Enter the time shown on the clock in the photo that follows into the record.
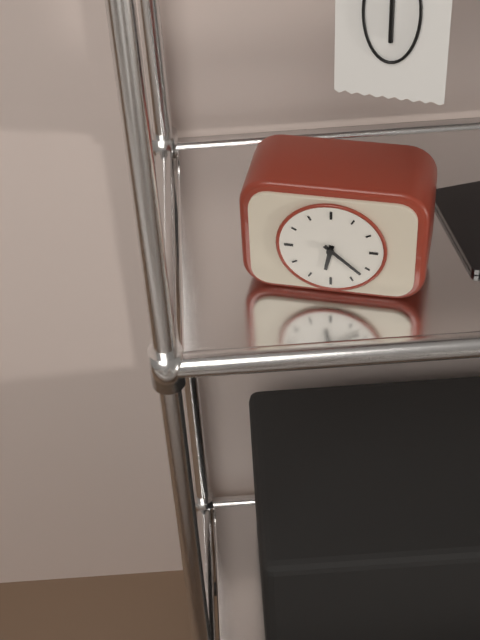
6:22
